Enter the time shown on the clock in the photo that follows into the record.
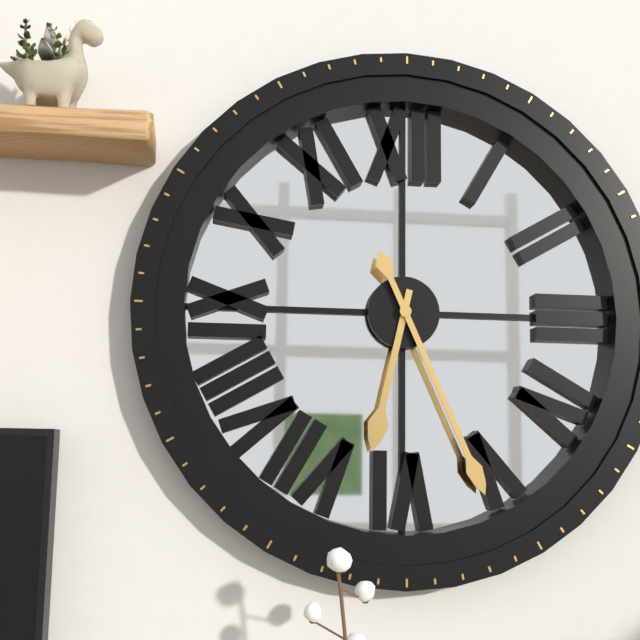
6:26
